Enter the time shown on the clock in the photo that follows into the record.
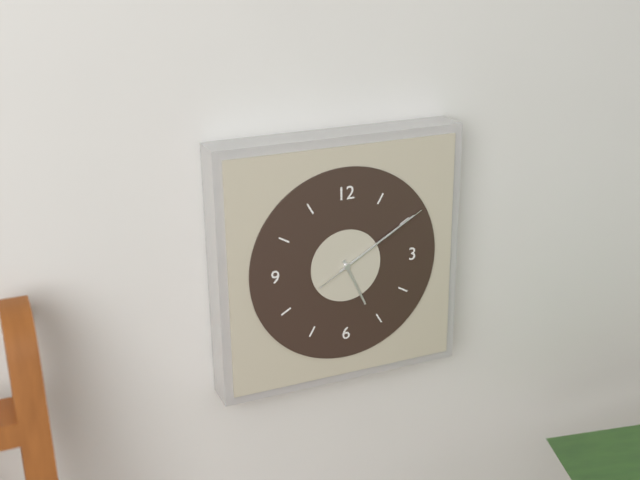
5:10:10
